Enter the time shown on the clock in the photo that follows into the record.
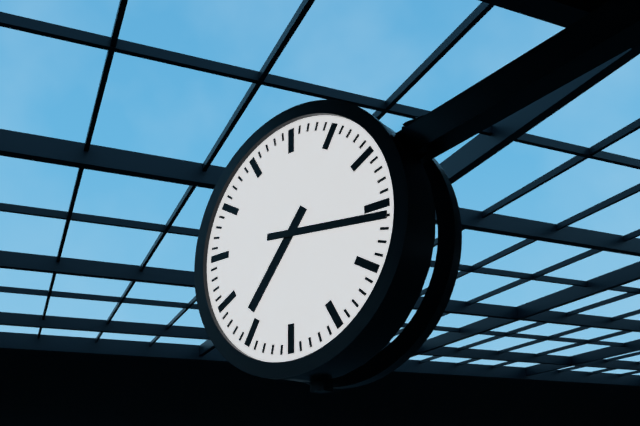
7:16
